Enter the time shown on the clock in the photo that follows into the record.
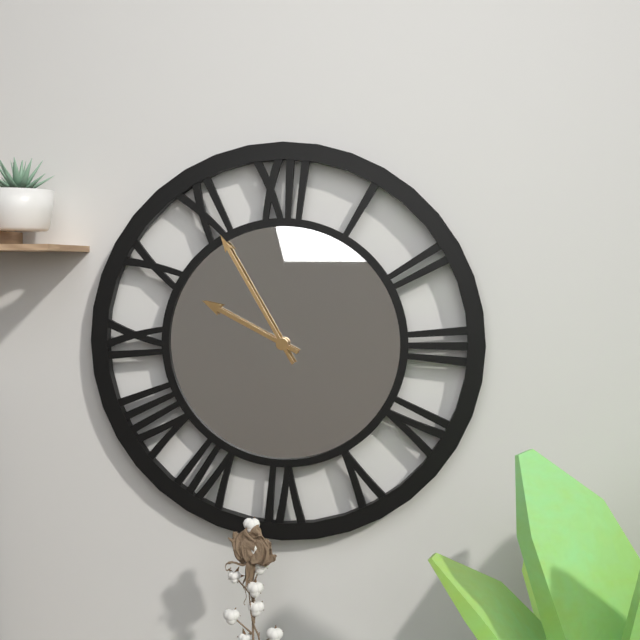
9:55
